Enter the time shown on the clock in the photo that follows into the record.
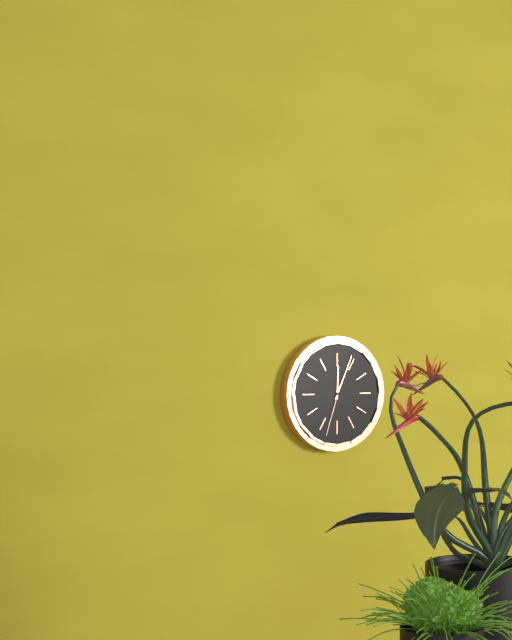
12:04:33
